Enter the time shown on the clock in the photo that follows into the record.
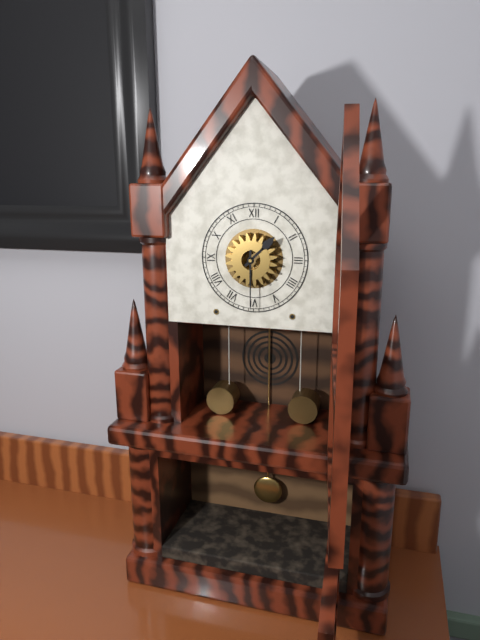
1:30
